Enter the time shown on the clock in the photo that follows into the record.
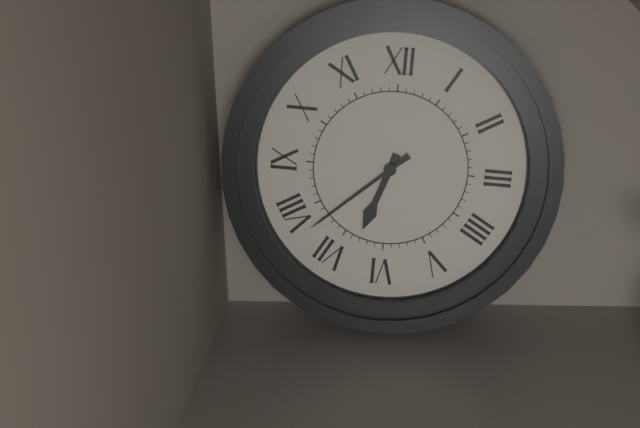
6:38
